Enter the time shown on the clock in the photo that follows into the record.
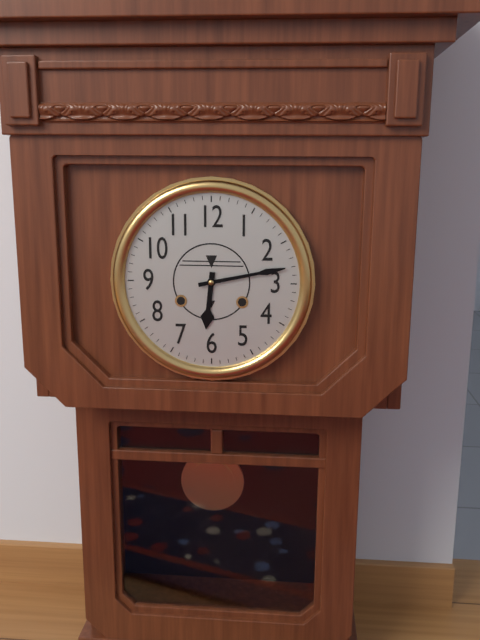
6:13
